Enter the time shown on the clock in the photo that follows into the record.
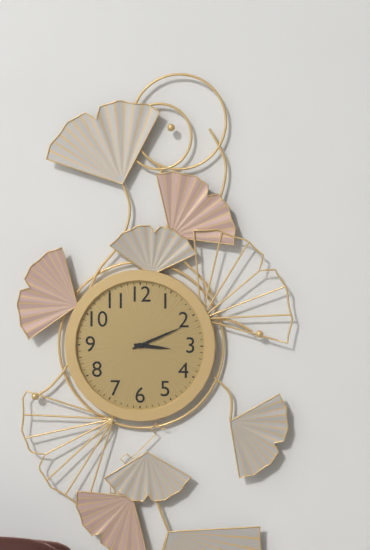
3:11
